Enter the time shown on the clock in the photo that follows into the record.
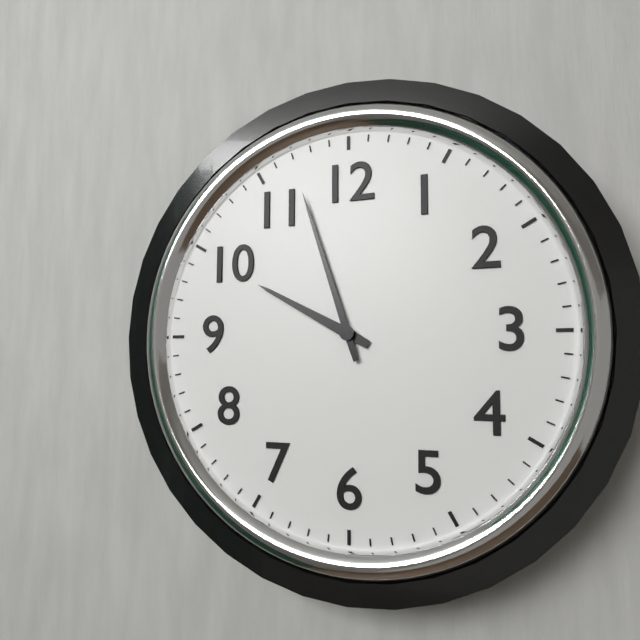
9:57
